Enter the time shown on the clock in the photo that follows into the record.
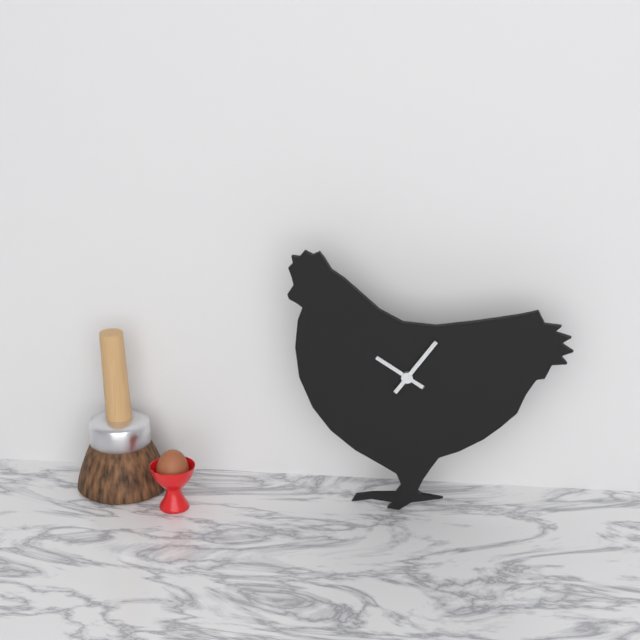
10:06
